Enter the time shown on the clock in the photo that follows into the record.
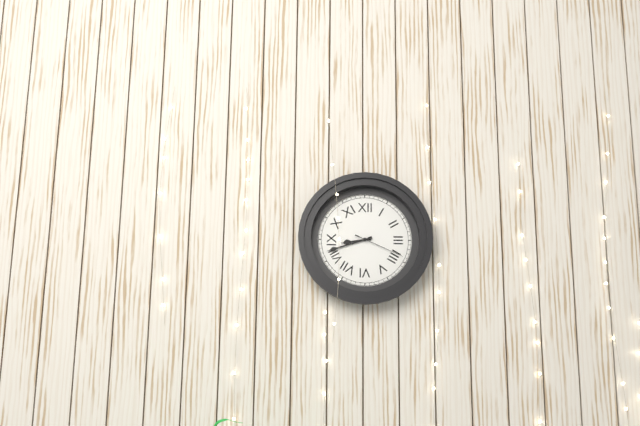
8:42:19
